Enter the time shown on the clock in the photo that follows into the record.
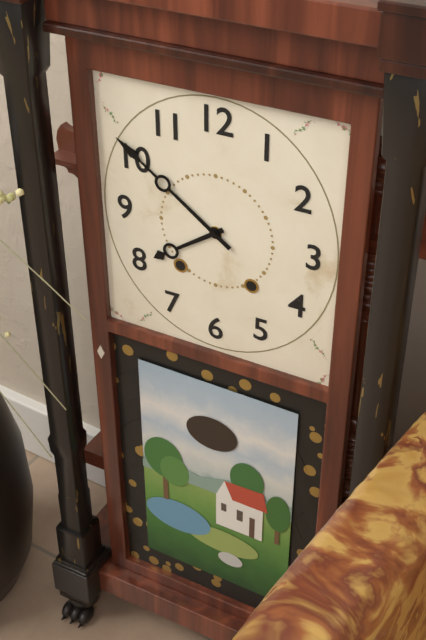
7:51
